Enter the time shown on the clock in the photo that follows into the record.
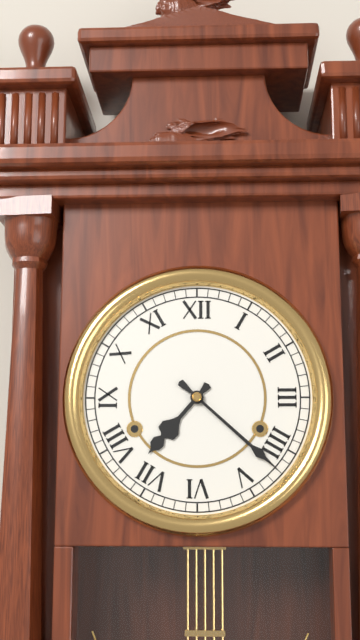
7:22
